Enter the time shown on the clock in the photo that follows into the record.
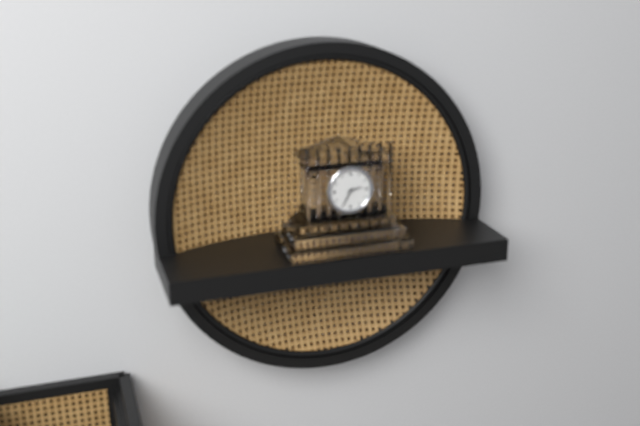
2:35
